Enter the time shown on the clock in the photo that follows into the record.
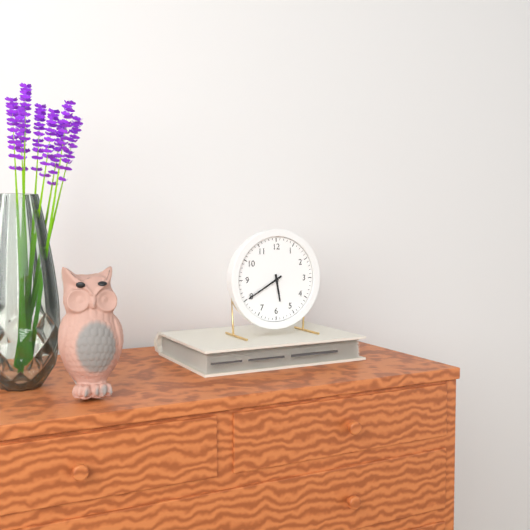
5:40
